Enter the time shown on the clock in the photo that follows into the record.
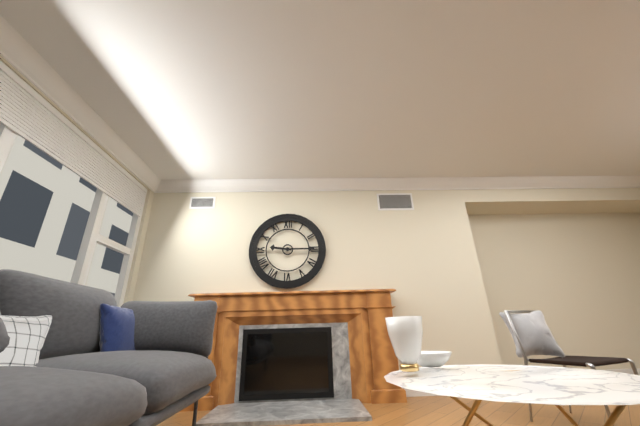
9:15
